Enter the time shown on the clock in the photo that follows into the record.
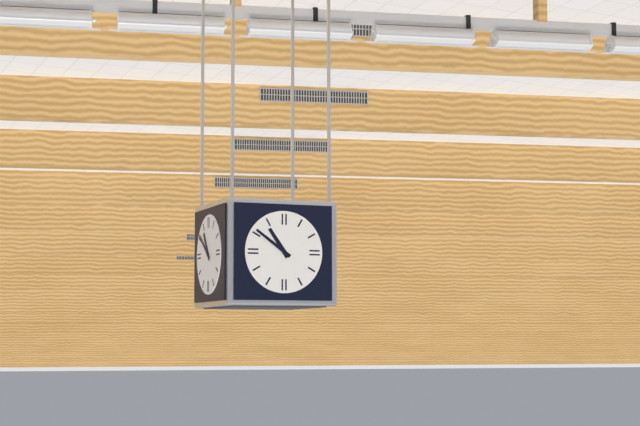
10:51
